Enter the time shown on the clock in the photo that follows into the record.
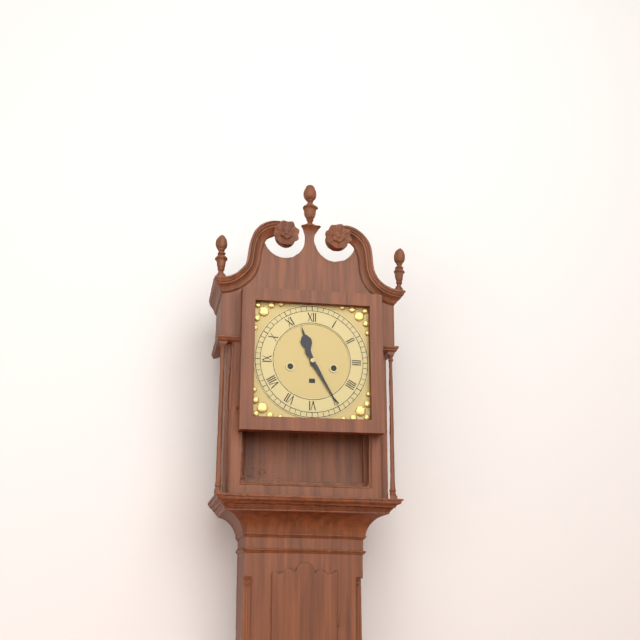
11:25
